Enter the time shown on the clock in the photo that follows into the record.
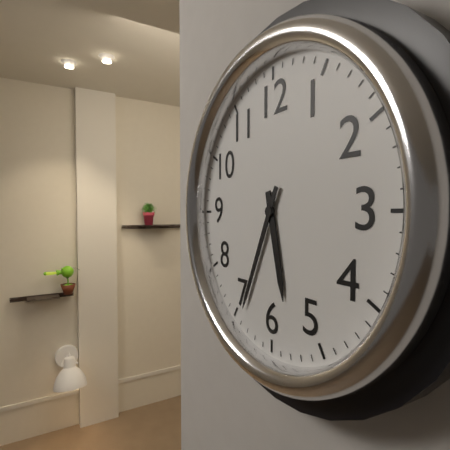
5:34
